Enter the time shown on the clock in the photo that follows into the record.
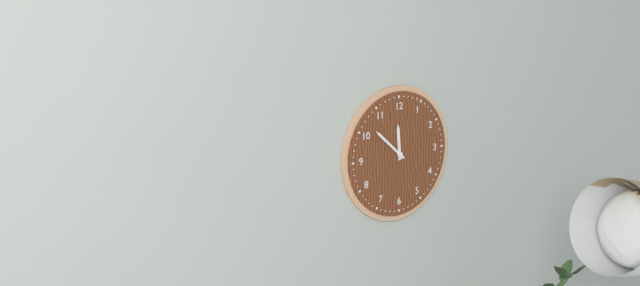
11:52
